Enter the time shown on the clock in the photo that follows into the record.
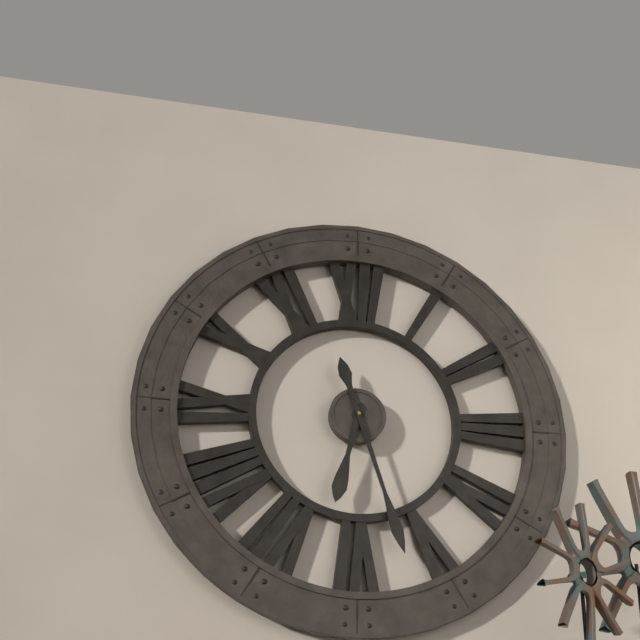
6:27
